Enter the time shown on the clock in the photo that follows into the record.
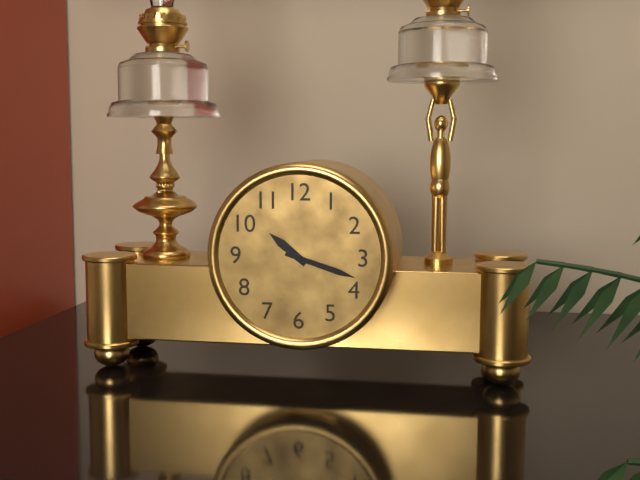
10:18
